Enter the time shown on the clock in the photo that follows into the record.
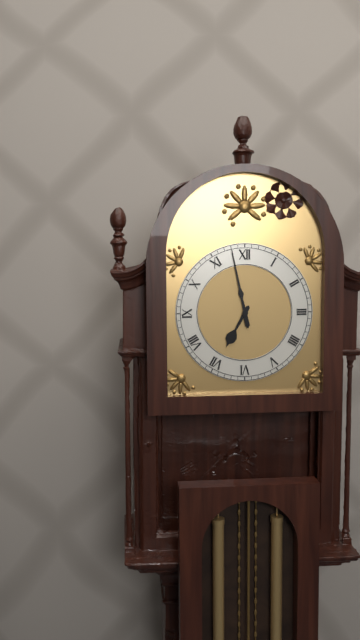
6:58
